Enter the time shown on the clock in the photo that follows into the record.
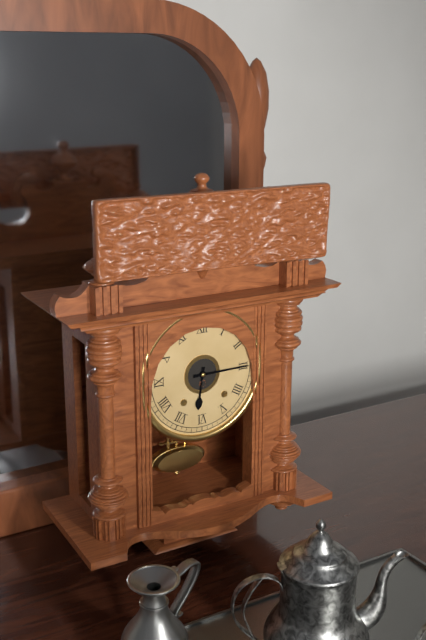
6:15
